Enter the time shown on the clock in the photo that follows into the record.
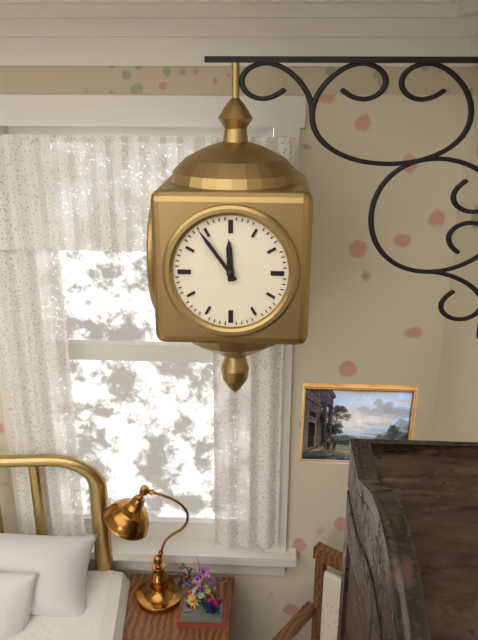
11:54
